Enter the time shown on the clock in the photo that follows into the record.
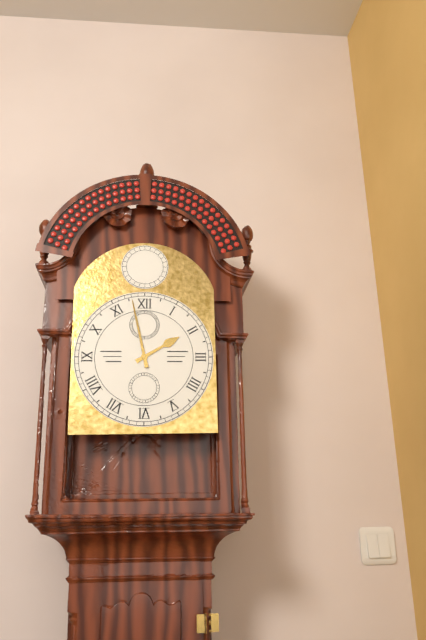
1:58
